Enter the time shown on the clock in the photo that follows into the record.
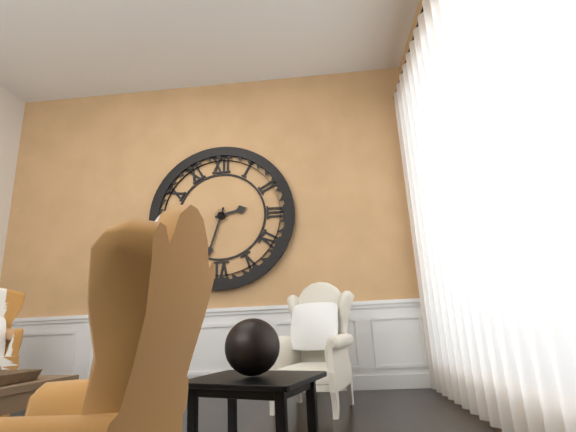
2:33
